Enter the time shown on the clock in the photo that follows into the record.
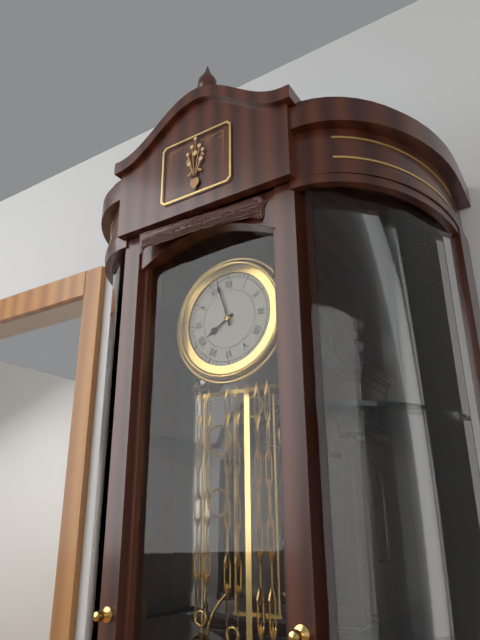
7:57
